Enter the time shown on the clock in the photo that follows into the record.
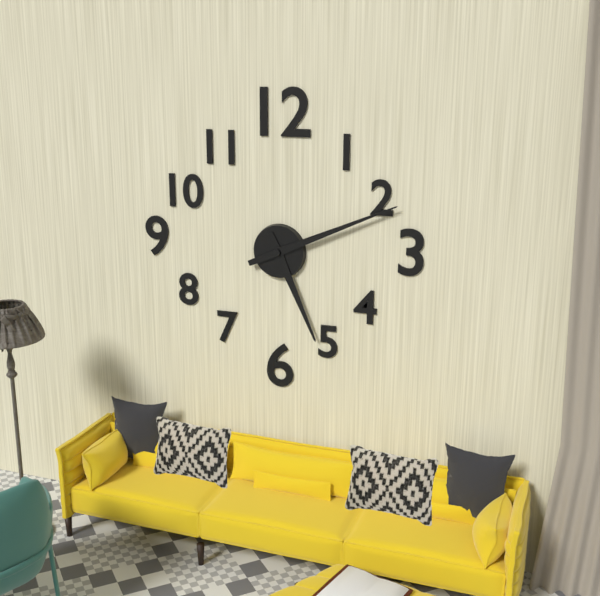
5:11
